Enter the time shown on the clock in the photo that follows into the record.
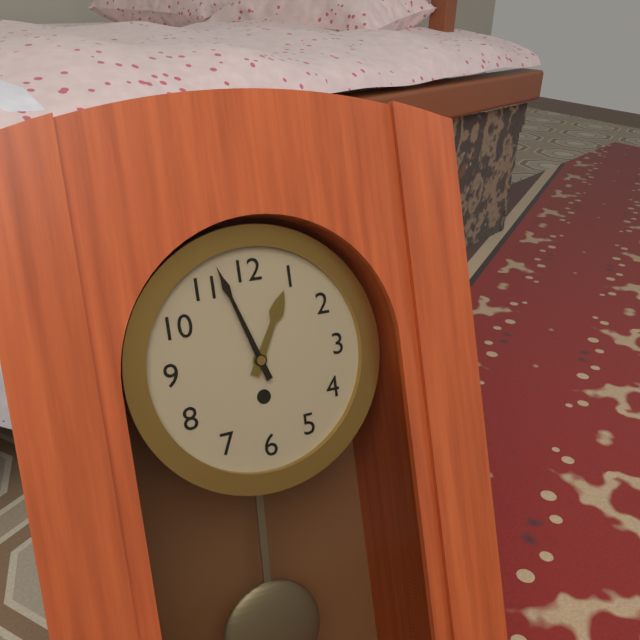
12:57
